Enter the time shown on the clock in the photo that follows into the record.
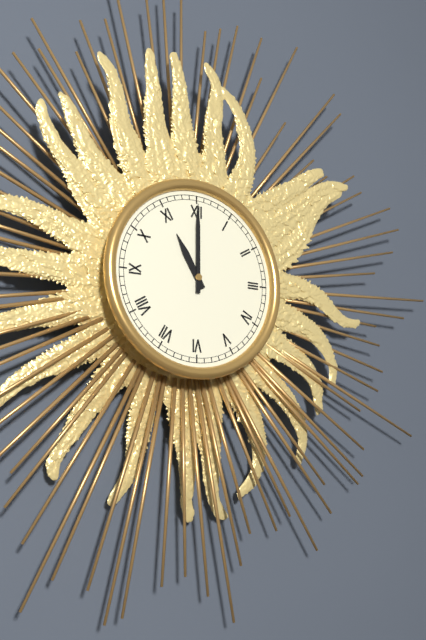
11:00
